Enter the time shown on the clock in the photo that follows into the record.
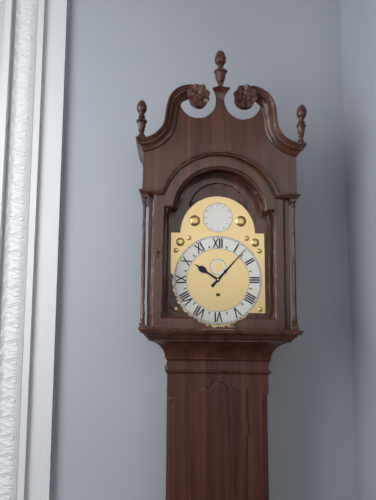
10:07
